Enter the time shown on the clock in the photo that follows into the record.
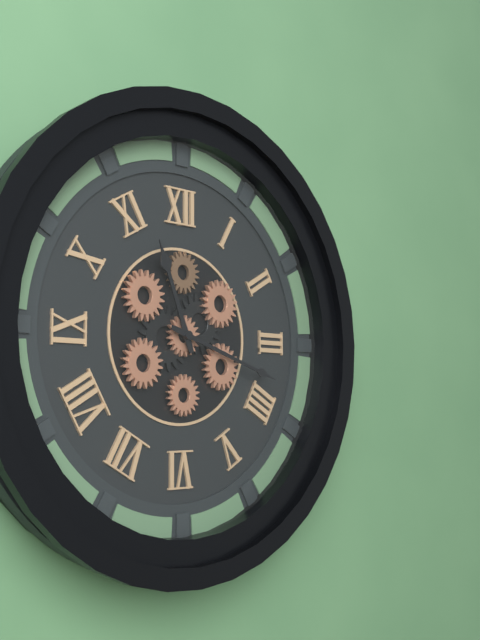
11:18
